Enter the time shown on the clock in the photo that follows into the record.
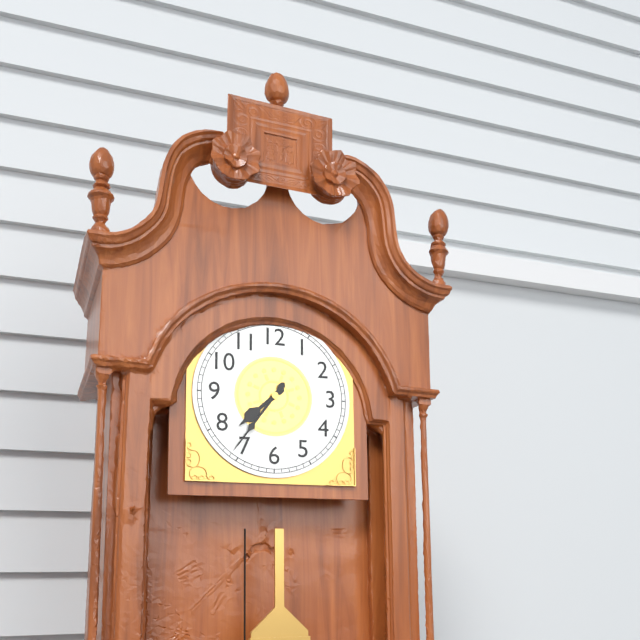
7:36
